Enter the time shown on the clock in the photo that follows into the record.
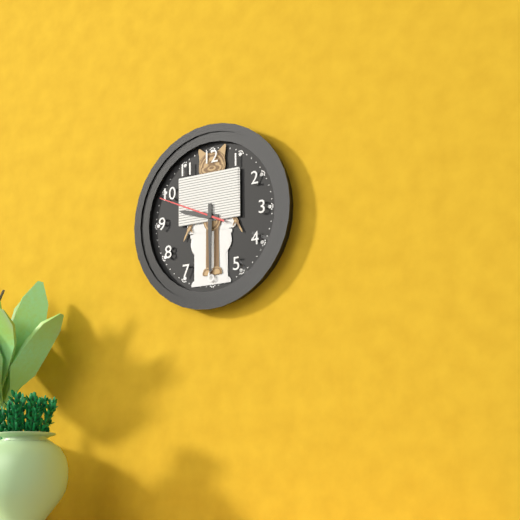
9:30:49
